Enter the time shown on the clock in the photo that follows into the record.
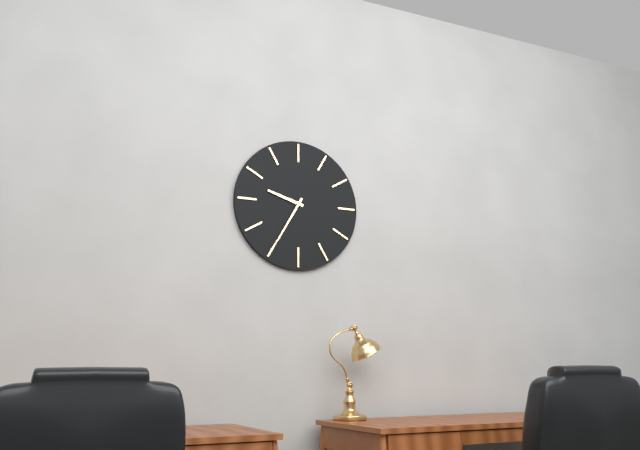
9:35
